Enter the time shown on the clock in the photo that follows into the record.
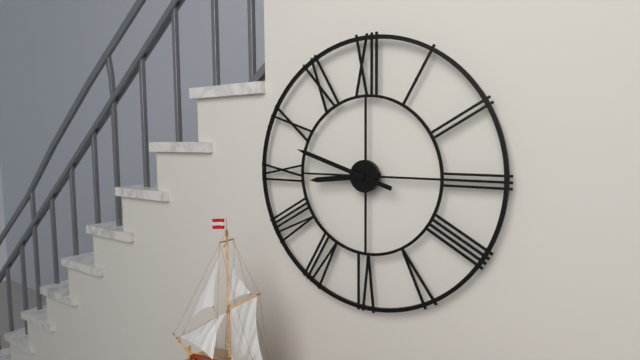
8:48
